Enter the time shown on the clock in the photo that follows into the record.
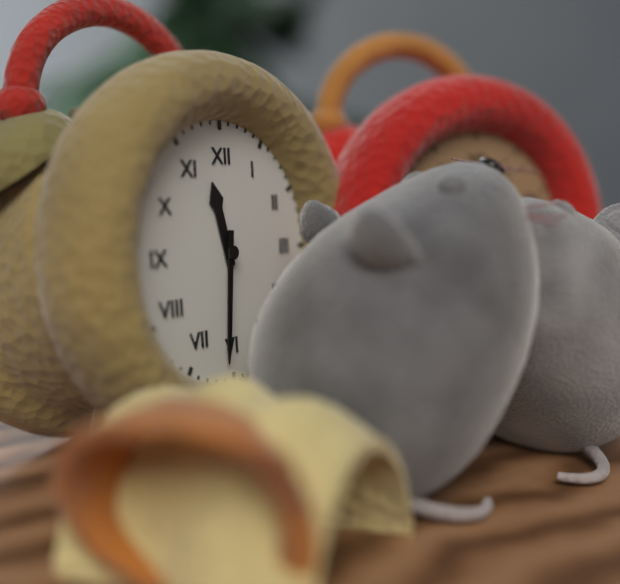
11:31
